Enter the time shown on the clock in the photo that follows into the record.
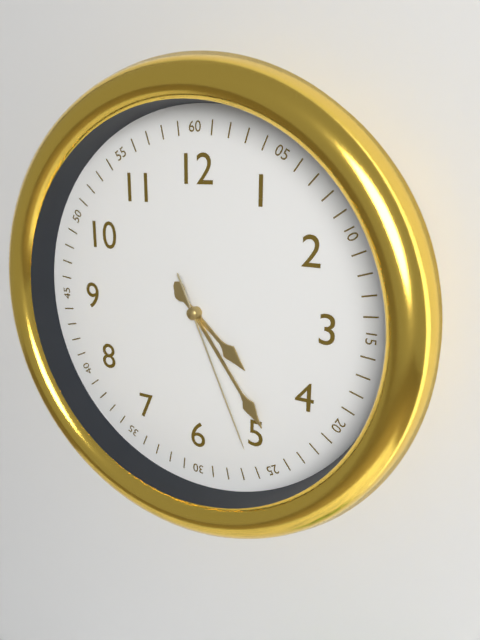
4:24:26
